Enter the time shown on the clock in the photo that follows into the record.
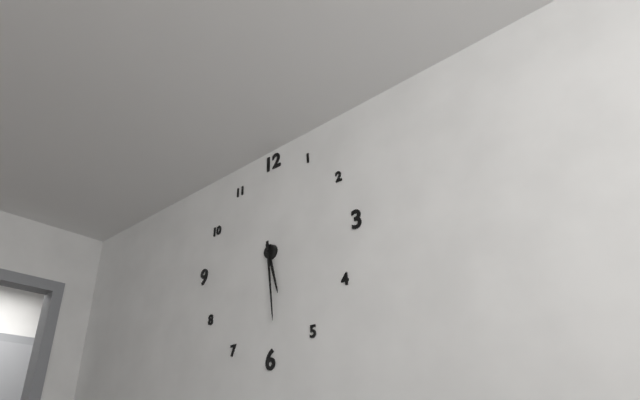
5:29
